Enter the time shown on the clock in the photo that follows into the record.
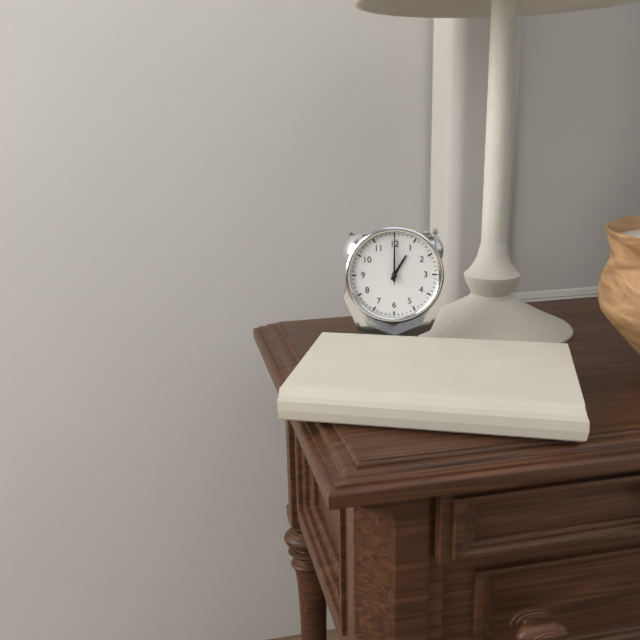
1:00
